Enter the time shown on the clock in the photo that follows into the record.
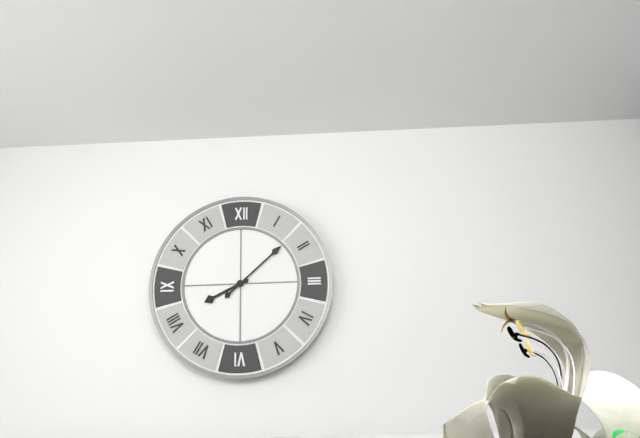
8:08
